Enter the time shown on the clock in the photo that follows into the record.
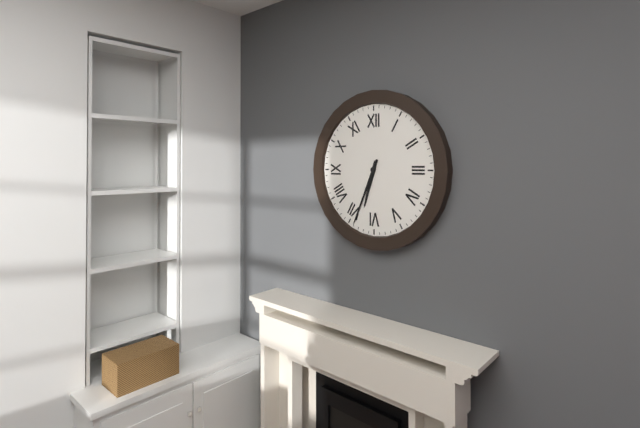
6:34
